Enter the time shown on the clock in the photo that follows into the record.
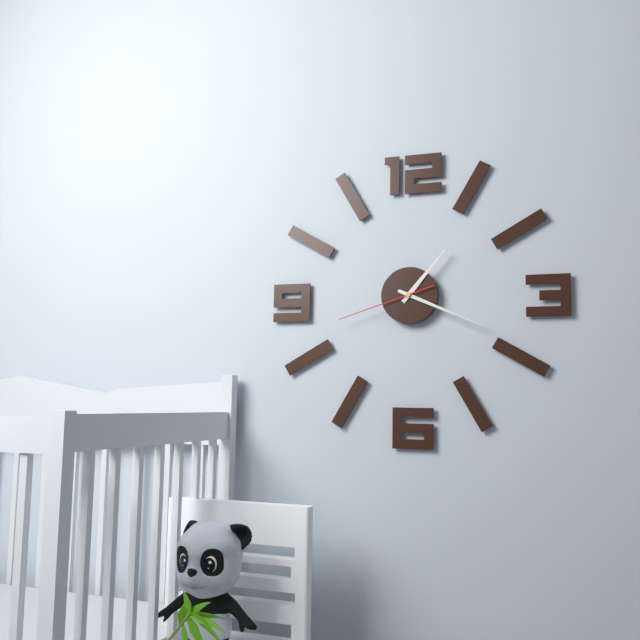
1:19:42
